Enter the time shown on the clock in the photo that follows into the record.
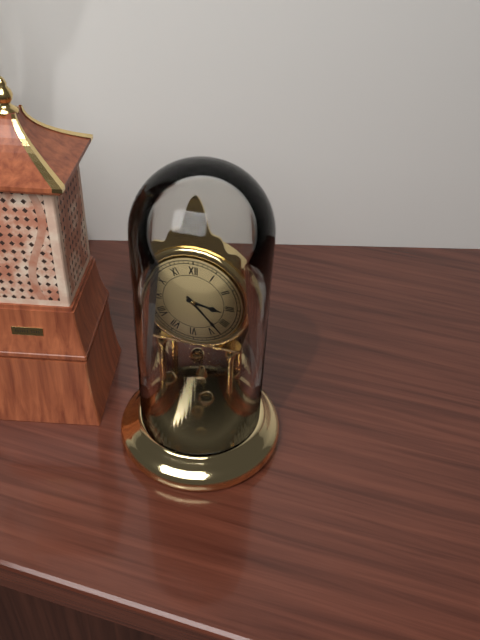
3:23
